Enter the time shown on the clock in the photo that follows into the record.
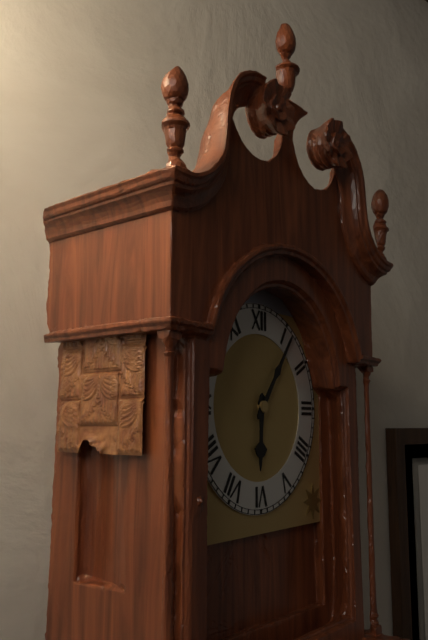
6:06
